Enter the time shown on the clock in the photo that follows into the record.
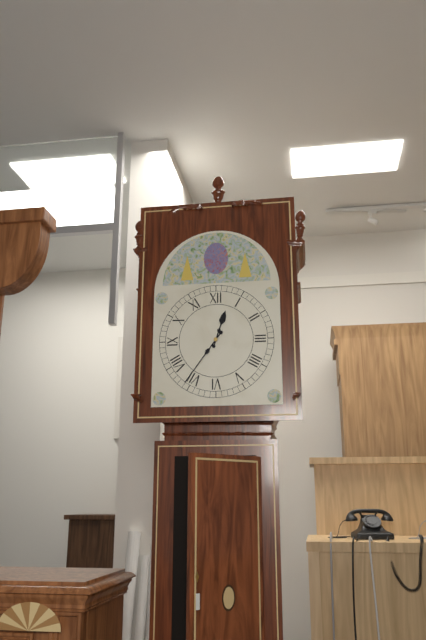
12:36
